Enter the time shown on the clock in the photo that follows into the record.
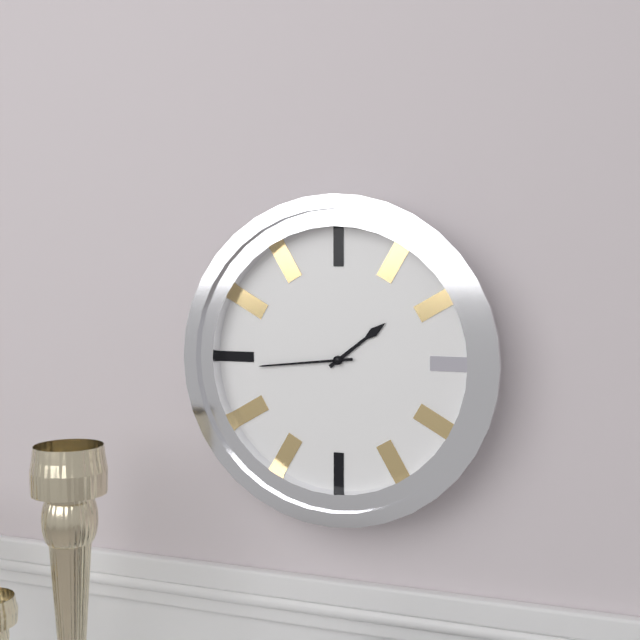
1:44
